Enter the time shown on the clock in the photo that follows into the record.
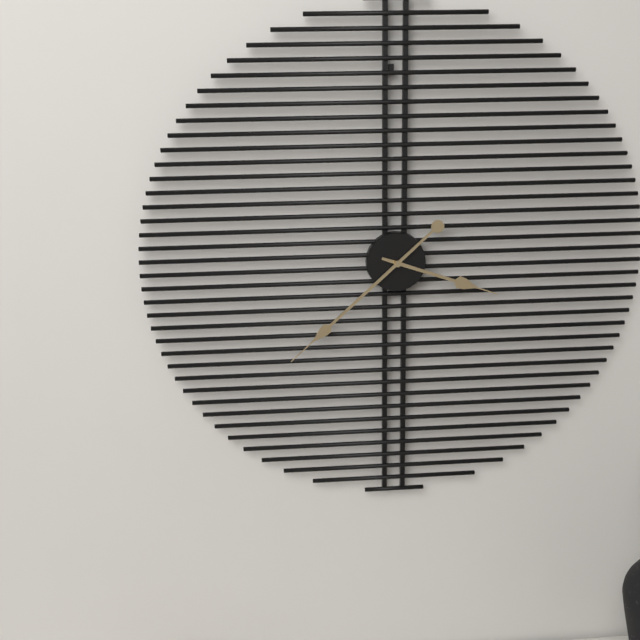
3:38
